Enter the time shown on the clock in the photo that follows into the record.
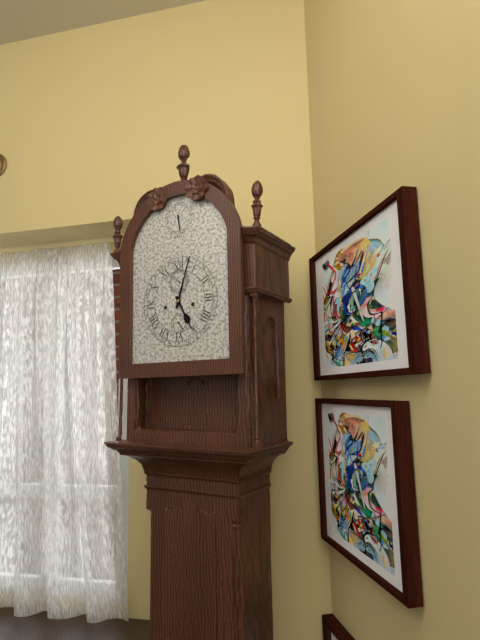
5:03
